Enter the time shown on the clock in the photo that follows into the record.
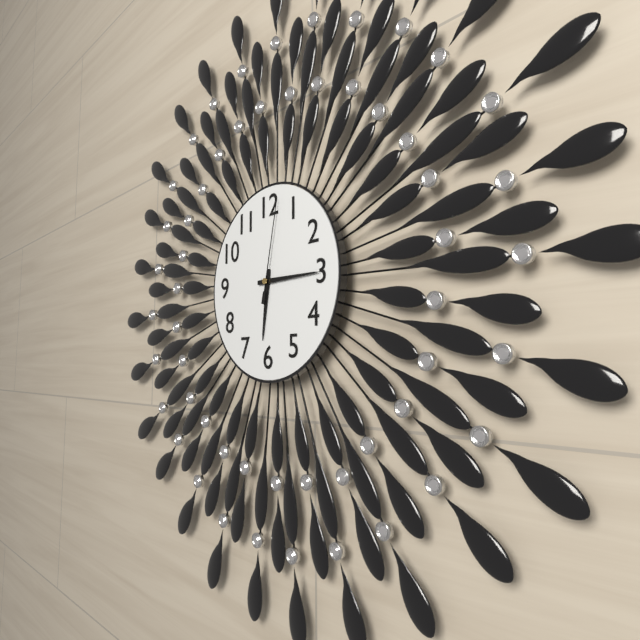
6:15:02
